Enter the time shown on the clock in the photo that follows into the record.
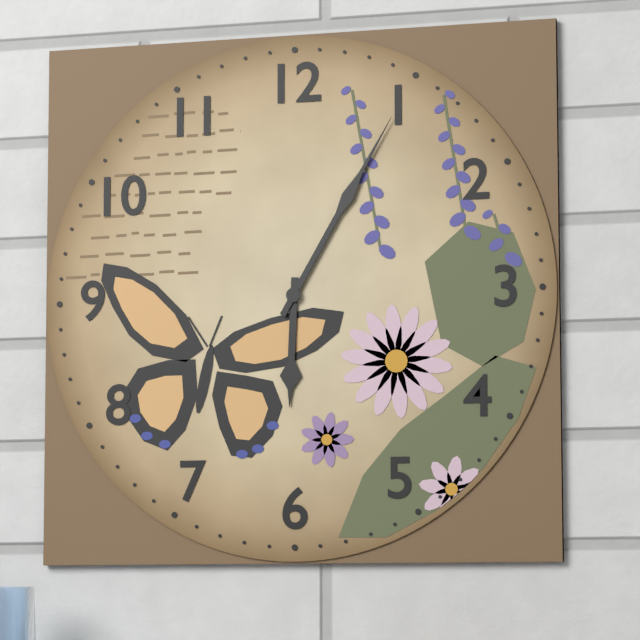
6:05
